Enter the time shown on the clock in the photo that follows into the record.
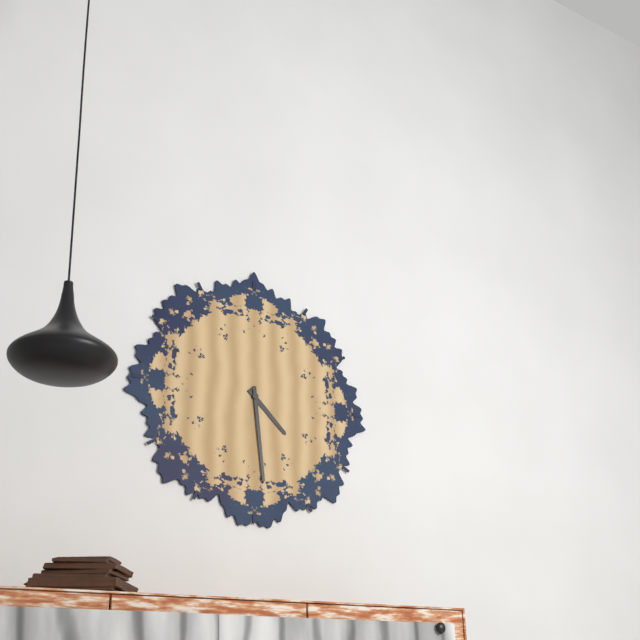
4:29
